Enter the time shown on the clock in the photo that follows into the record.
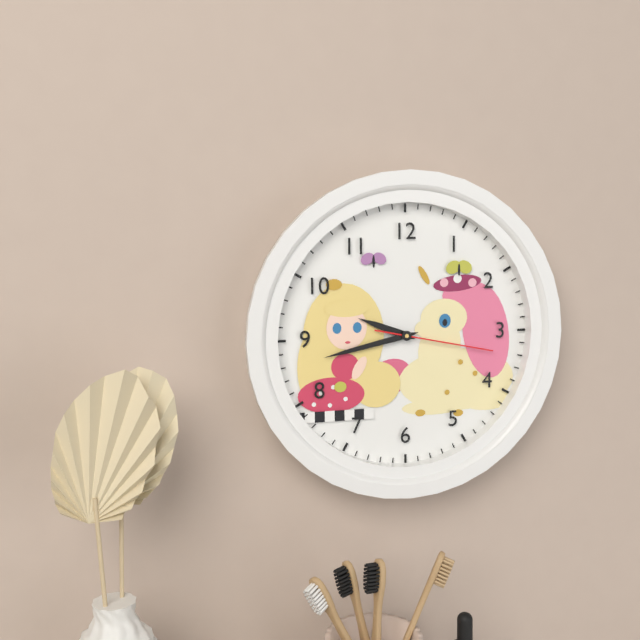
9:43:17
